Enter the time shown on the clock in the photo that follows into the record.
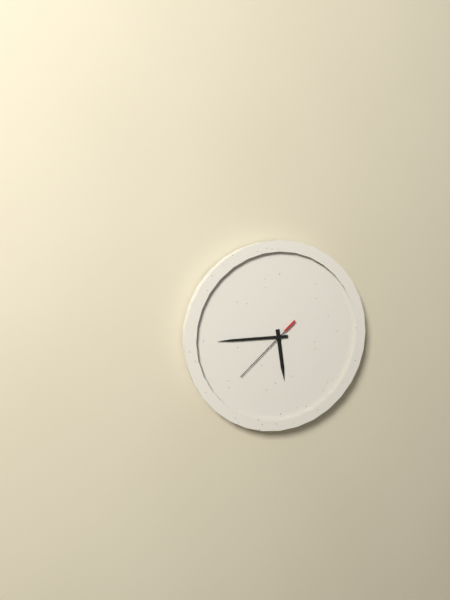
5:45:38
